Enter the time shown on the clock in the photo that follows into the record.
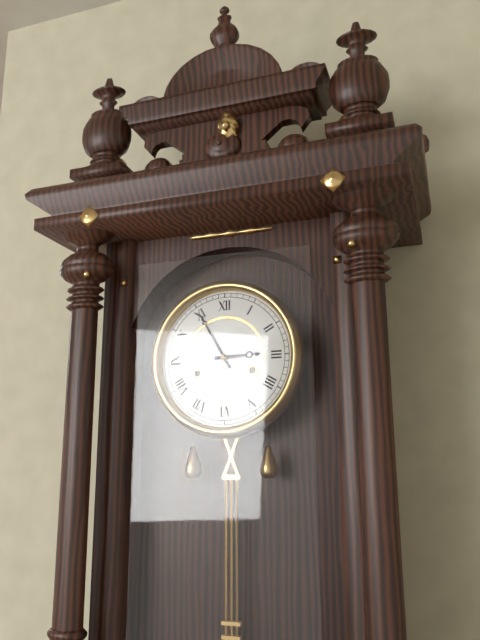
2:55
